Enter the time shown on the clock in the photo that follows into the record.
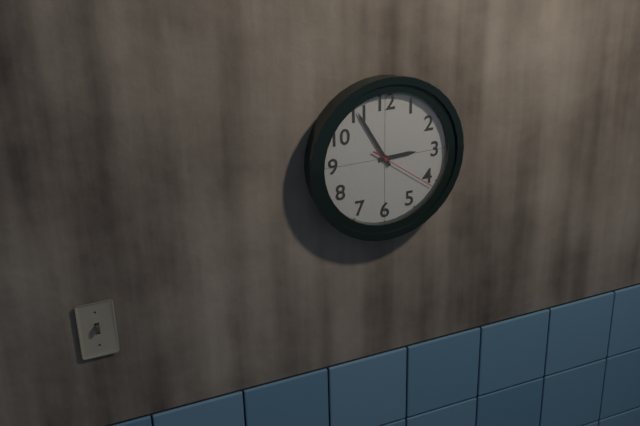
2:55:21
